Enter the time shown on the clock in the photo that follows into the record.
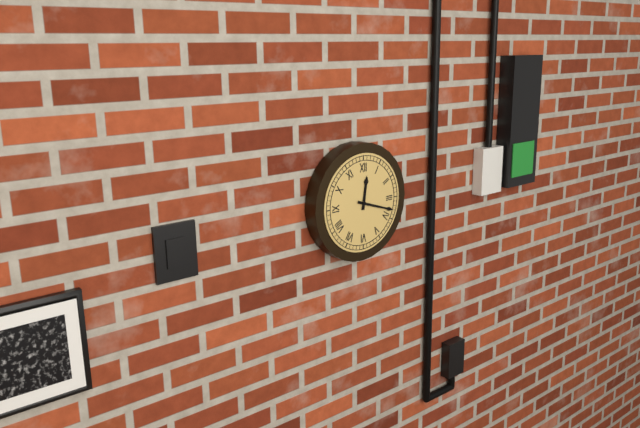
12:18
